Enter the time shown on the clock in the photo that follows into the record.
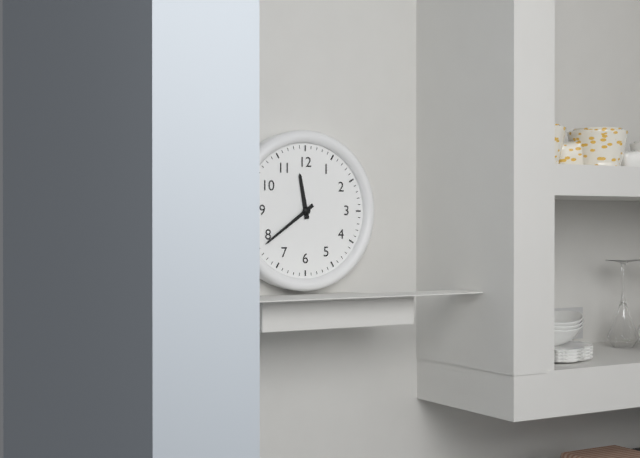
11:39
